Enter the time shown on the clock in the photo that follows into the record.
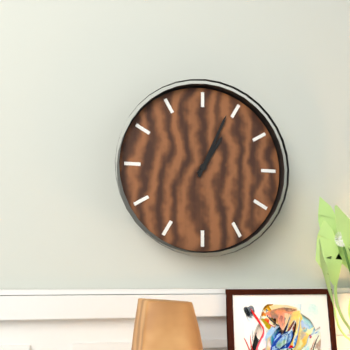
1:04
